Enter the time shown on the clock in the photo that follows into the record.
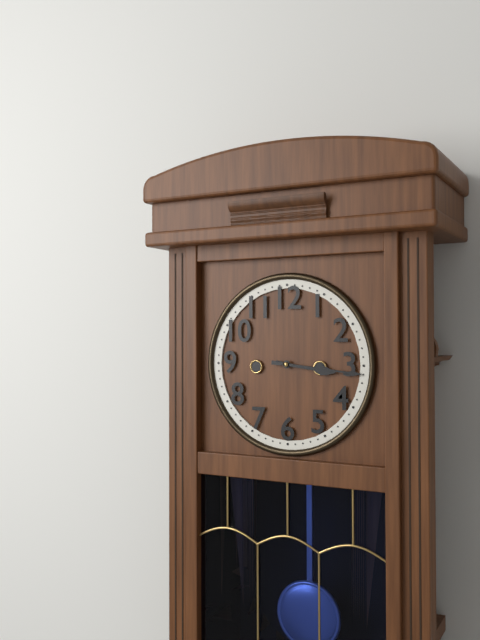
3:16
